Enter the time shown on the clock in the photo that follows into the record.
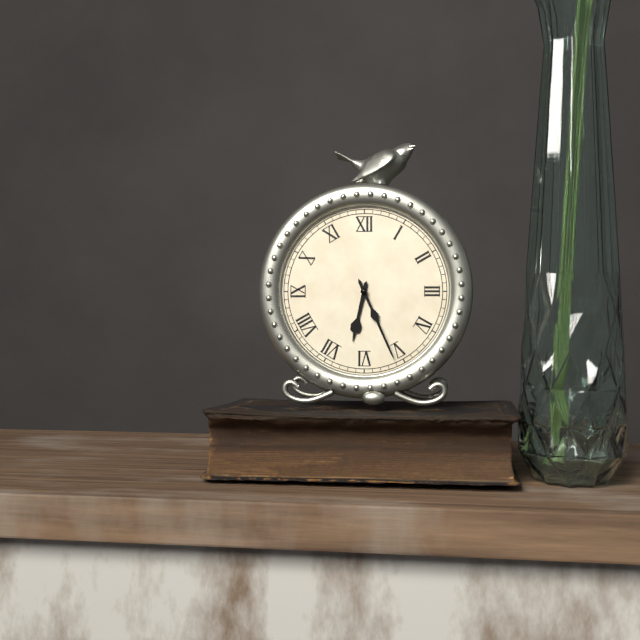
6:26
